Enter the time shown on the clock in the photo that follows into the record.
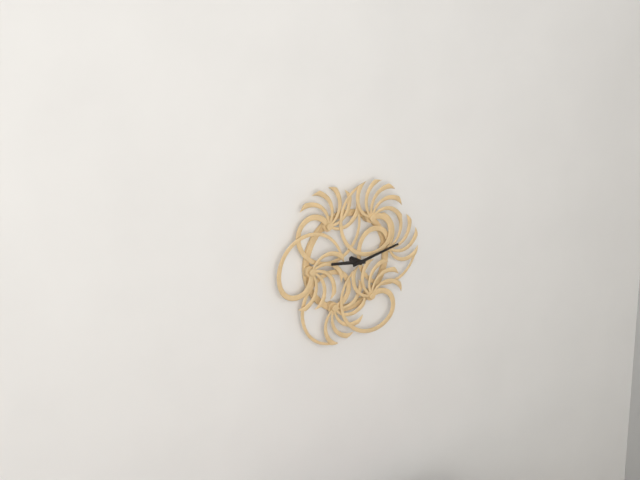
9:13
